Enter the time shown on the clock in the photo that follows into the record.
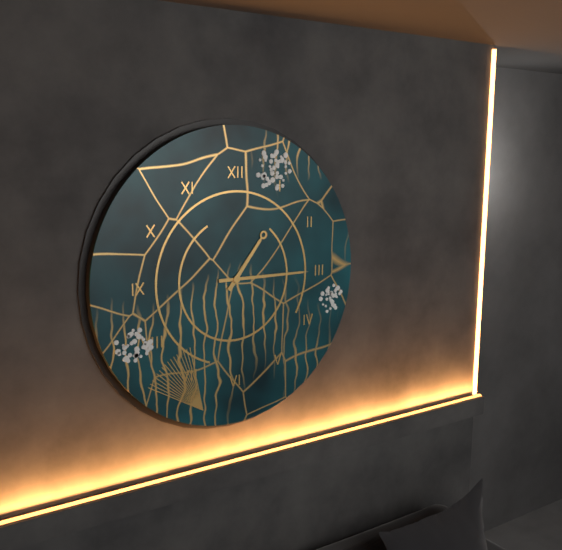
1:15
